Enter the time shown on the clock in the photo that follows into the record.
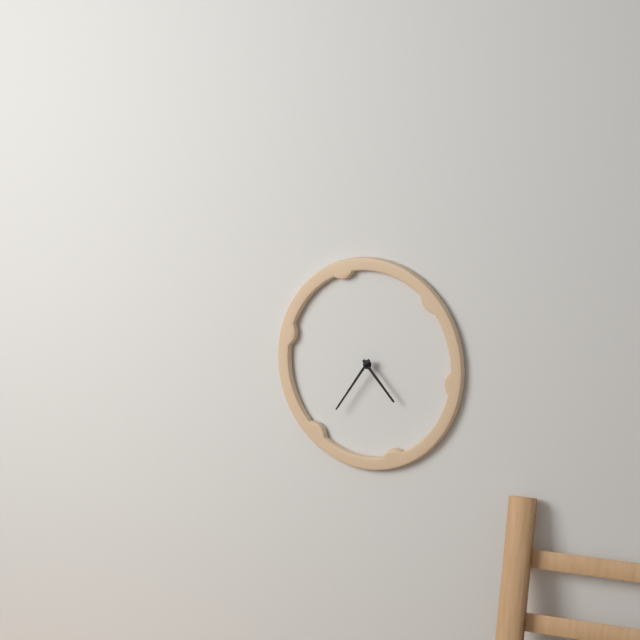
4:36
